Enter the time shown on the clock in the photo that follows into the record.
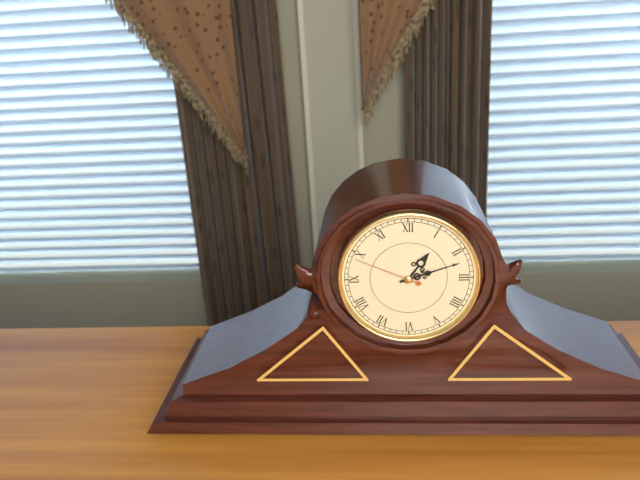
1:12:49
